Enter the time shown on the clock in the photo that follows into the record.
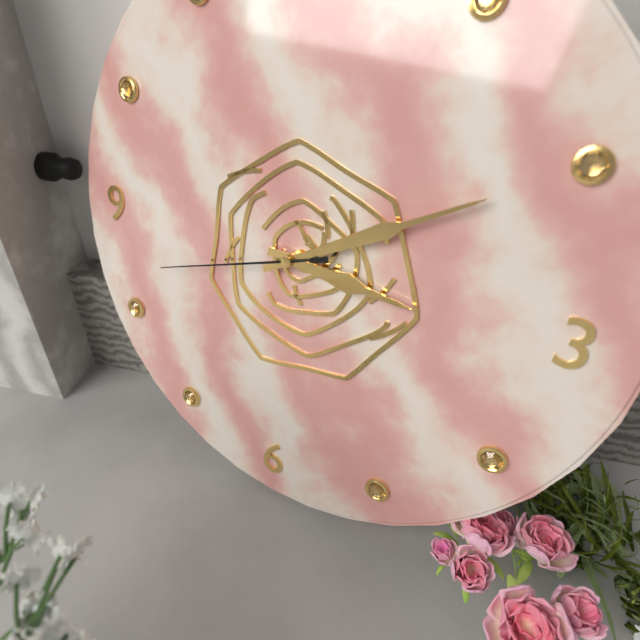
3:10:42
